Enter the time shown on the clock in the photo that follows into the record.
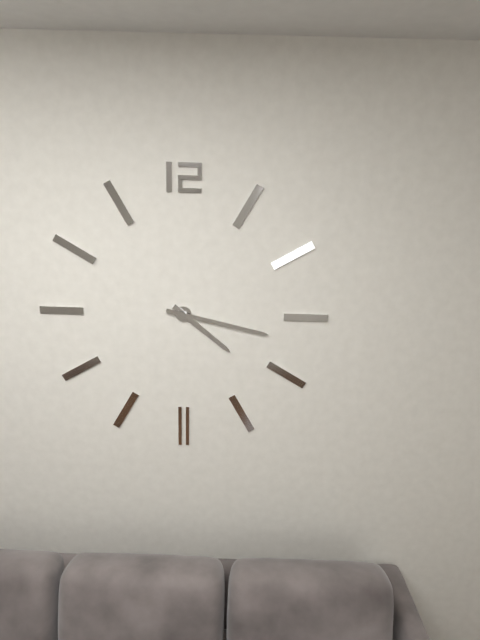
4:17
